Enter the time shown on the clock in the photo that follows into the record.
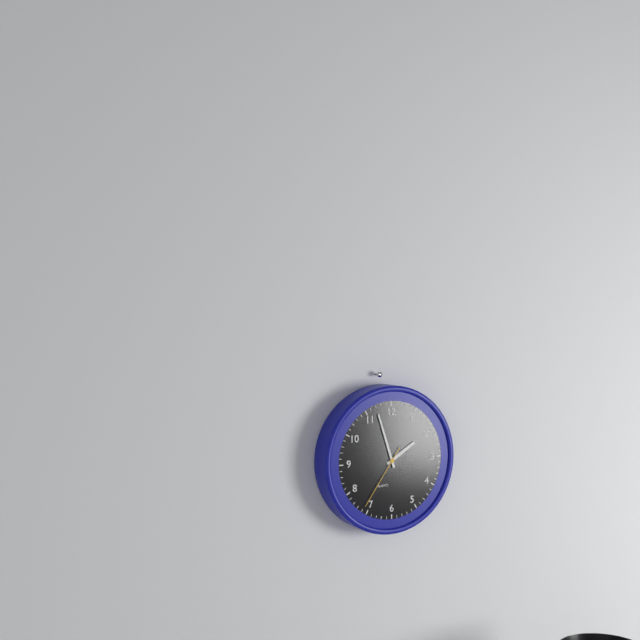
1:57:36
